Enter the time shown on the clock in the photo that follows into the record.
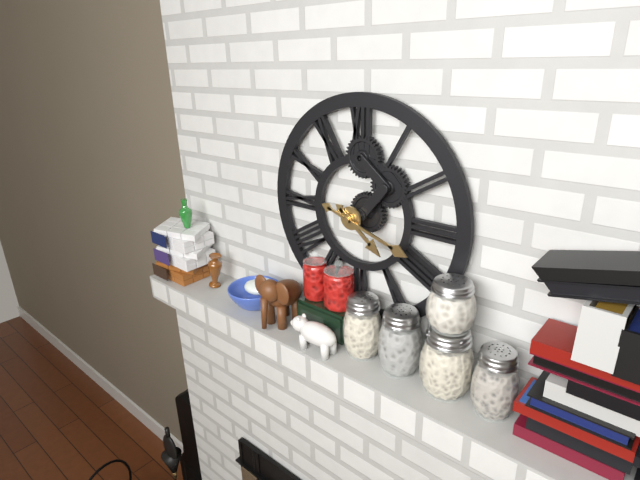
4:18
